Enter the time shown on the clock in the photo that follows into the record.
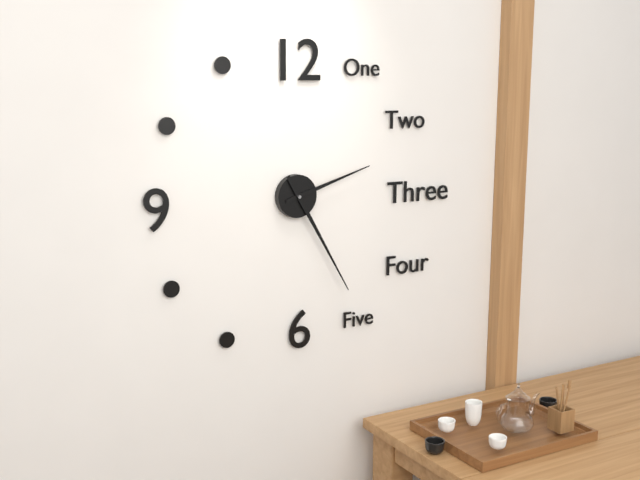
2:25
